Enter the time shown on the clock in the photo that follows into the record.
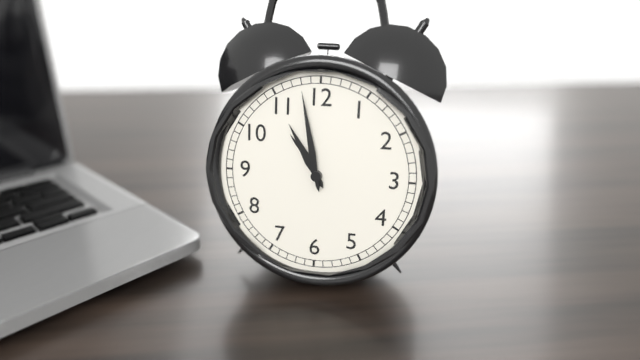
10:58
